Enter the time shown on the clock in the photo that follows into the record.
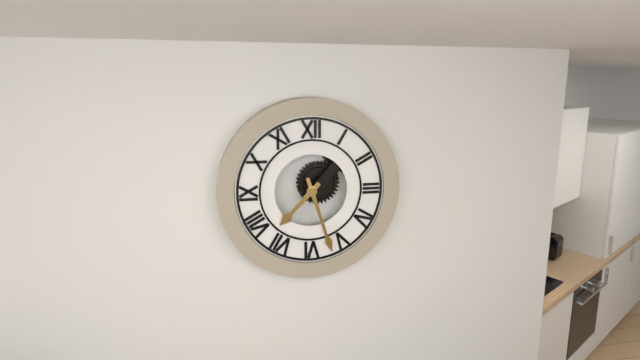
7:27
